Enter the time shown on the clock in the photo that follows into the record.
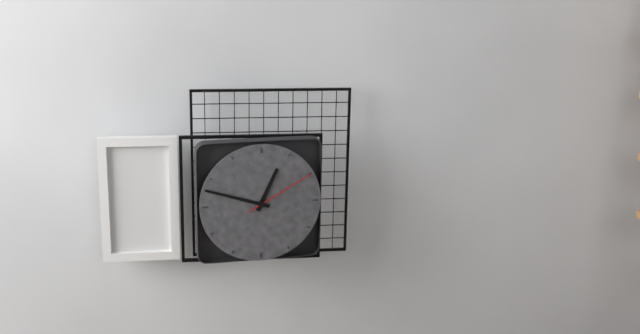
12:48:10
